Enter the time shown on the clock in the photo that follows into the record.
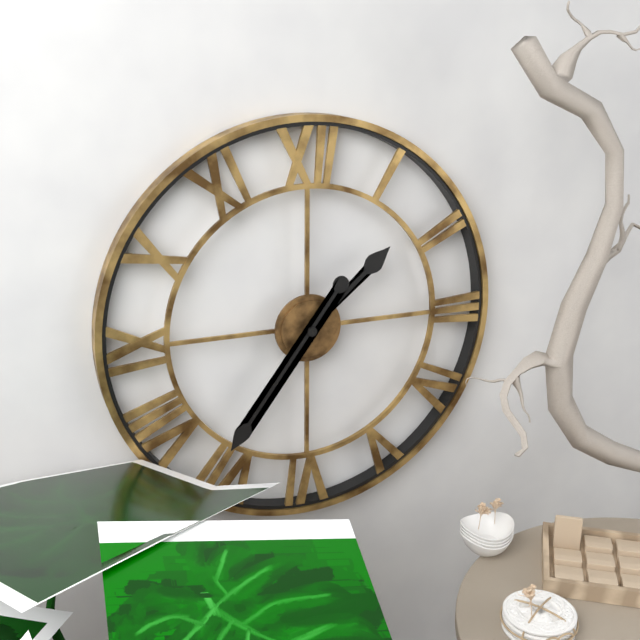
1:36
